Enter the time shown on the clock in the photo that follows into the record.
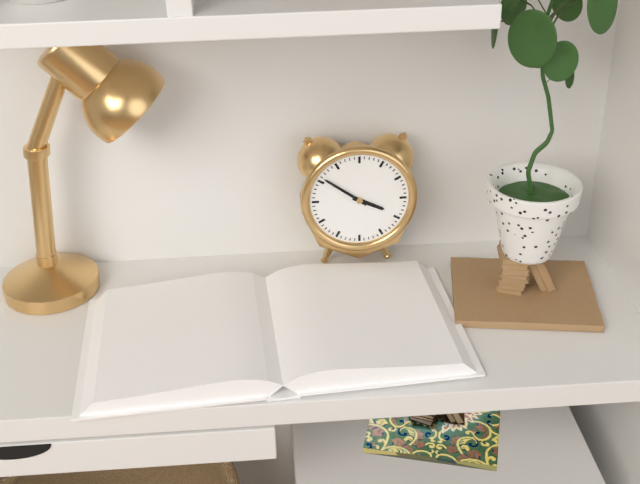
3:51
